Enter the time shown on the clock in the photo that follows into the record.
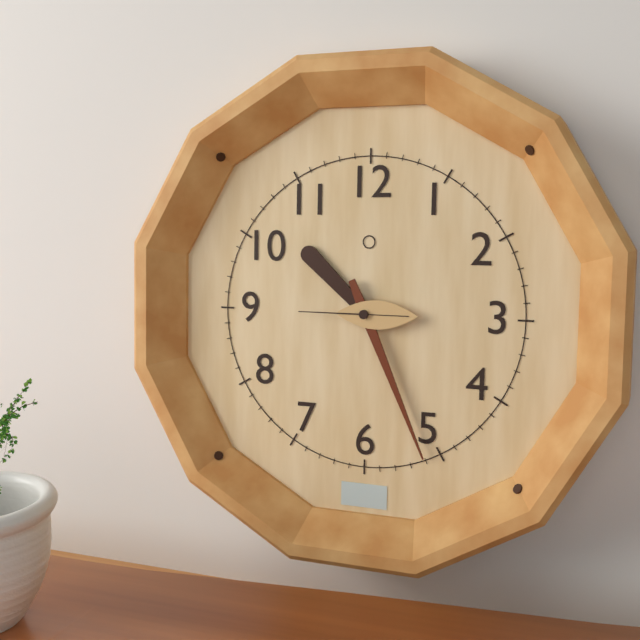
10:26:45
